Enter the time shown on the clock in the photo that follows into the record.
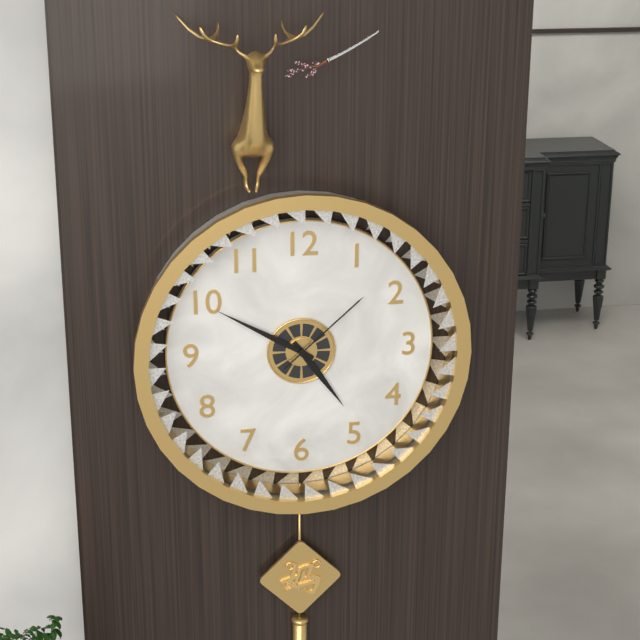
4:50:08
